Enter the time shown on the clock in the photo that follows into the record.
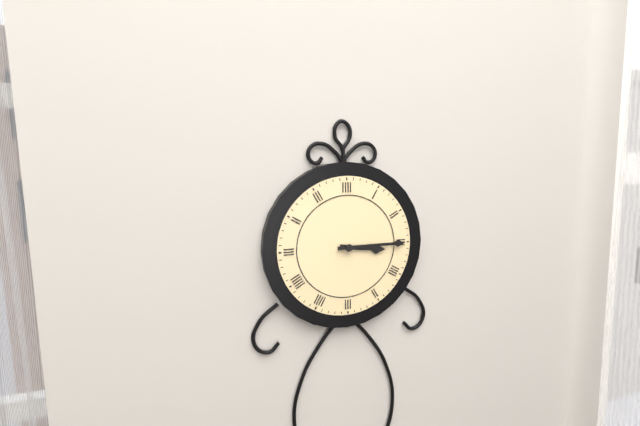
3:15
